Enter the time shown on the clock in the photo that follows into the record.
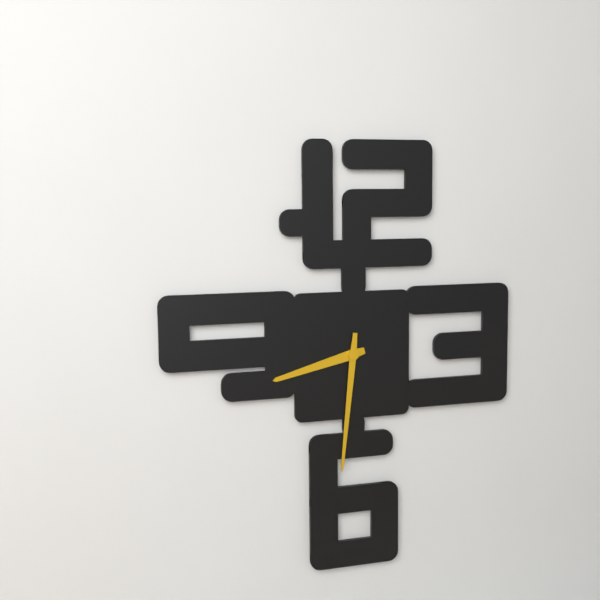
8:31
